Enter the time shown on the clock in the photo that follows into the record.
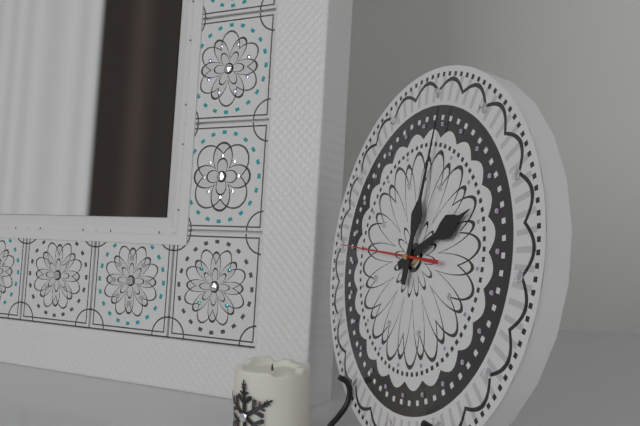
2:01:45
